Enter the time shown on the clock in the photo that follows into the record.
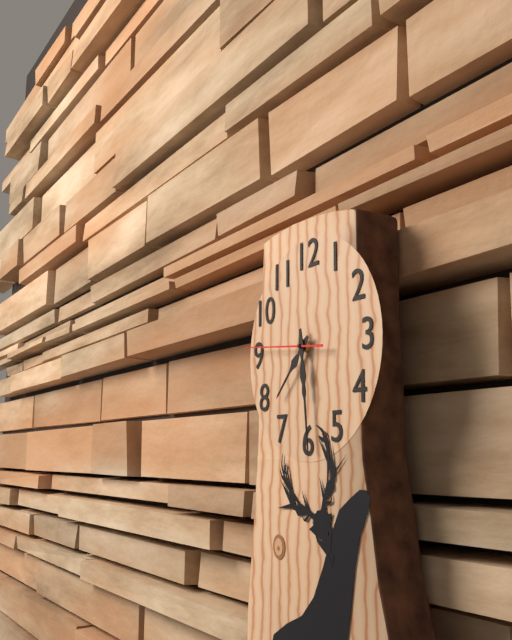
7:29:46
